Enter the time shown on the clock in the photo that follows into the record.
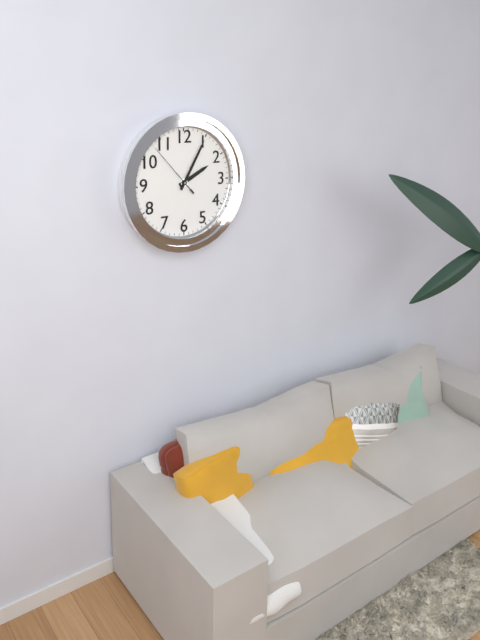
2:05:53
